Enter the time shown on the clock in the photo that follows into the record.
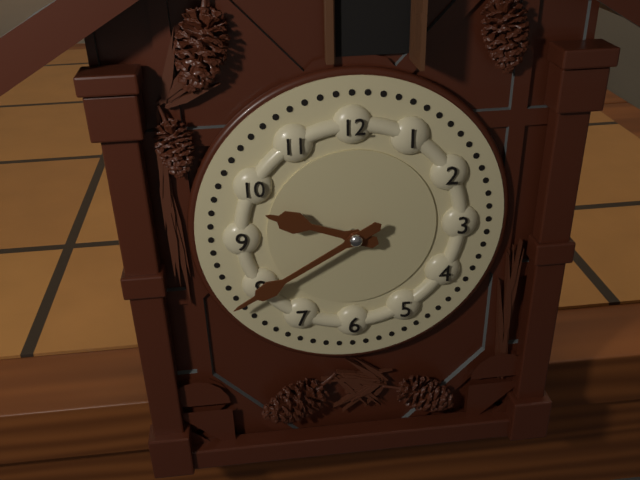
9:40
